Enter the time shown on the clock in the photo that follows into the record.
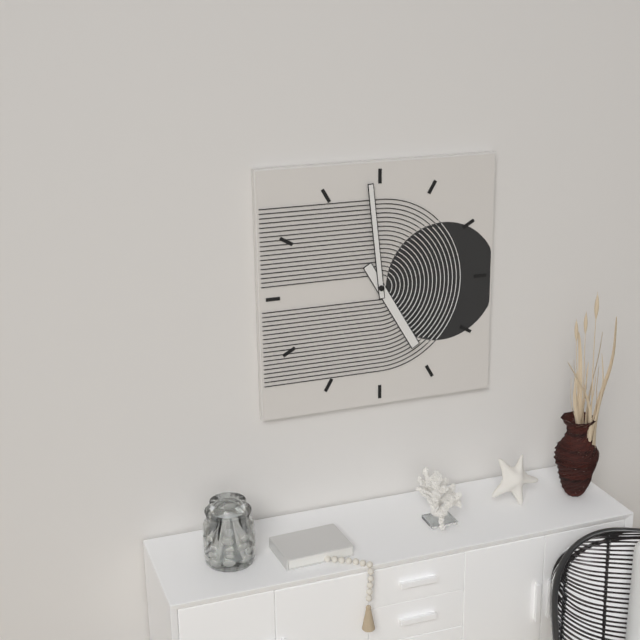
4:59
